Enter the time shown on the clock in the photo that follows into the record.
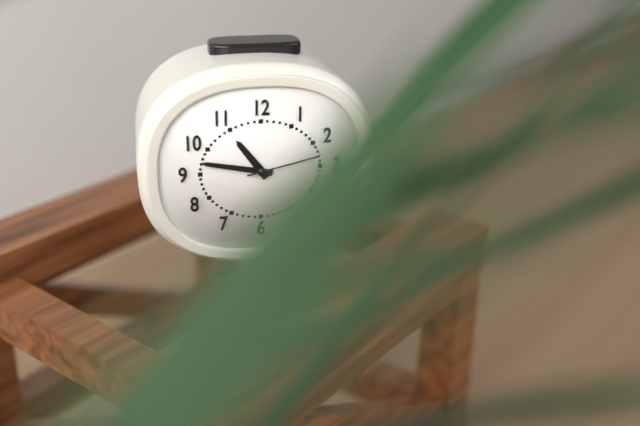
10:47:13
